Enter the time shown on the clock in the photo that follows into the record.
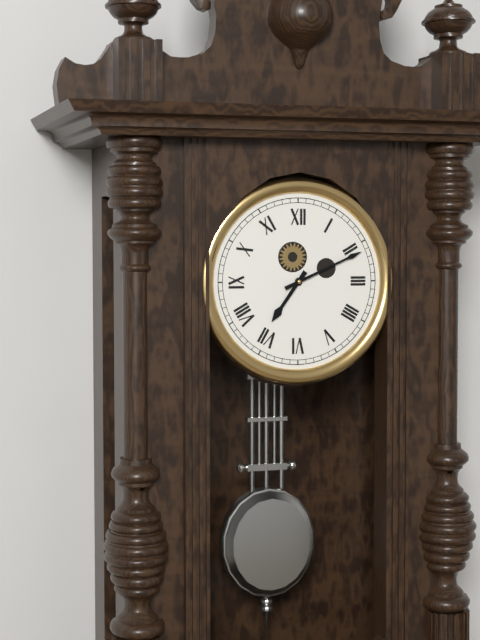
7:11
